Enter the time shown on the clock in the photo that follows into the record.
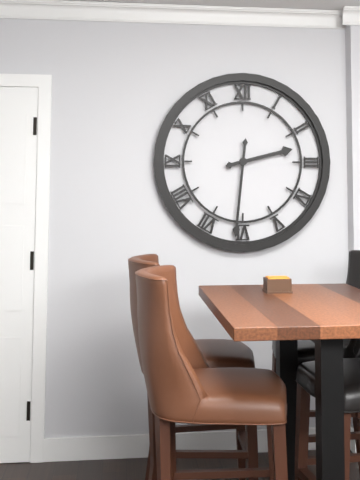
2:31
